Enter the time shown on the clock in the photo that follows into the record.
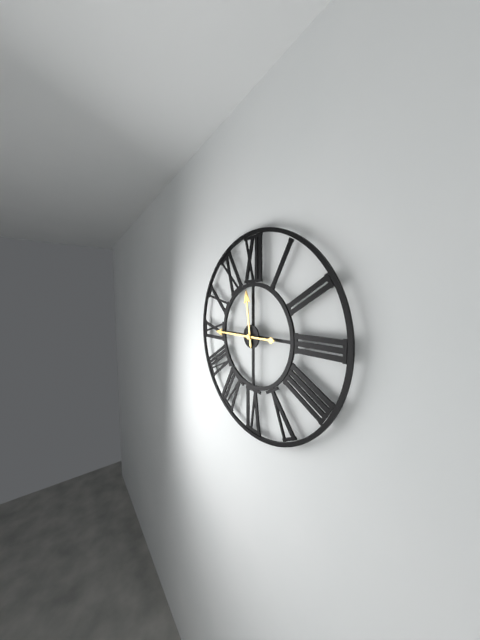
11:45
